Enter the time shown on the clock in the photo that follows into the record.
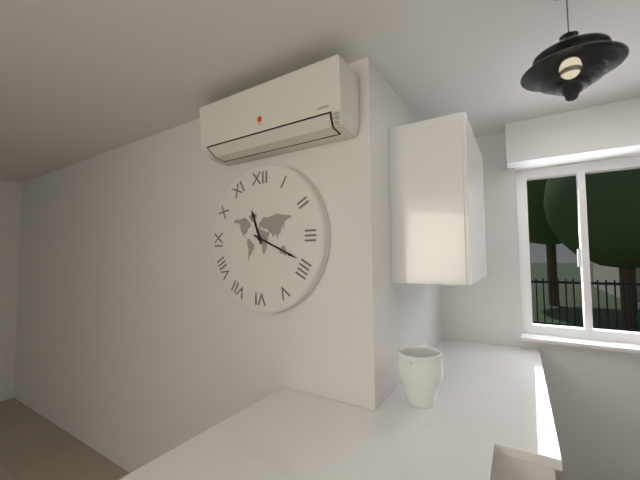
11:19
